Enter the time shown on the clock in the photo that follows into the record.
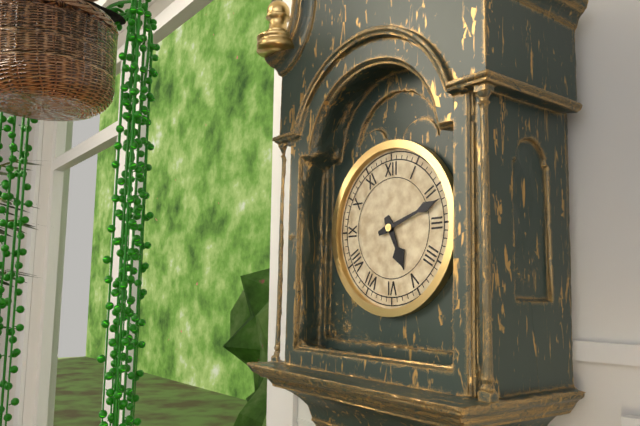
5:12
